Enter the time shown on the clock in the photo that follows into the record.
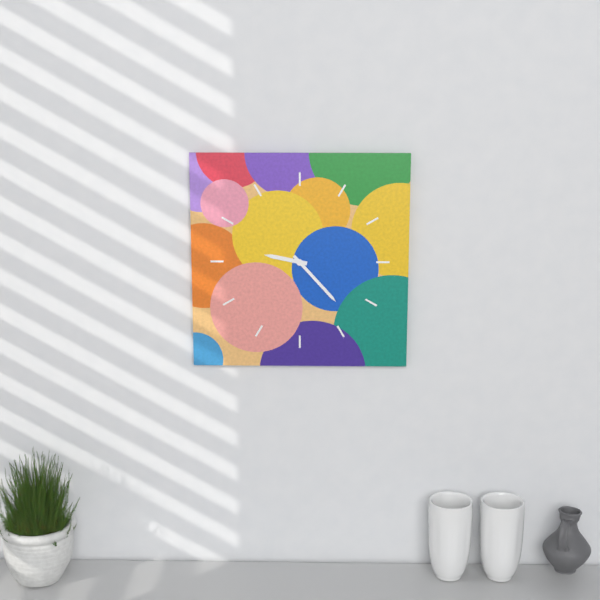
9:23
